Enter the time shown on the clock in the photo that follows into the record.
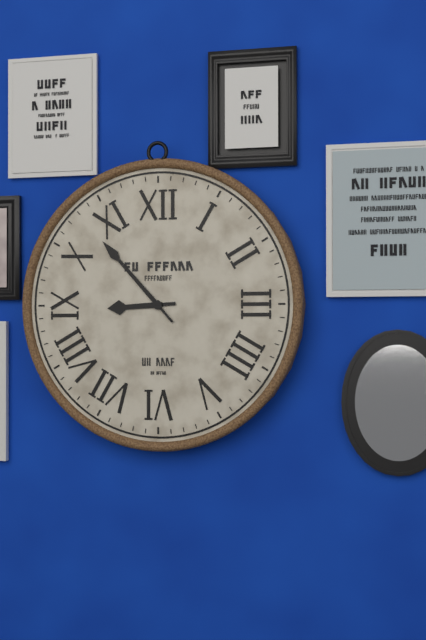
8:53
